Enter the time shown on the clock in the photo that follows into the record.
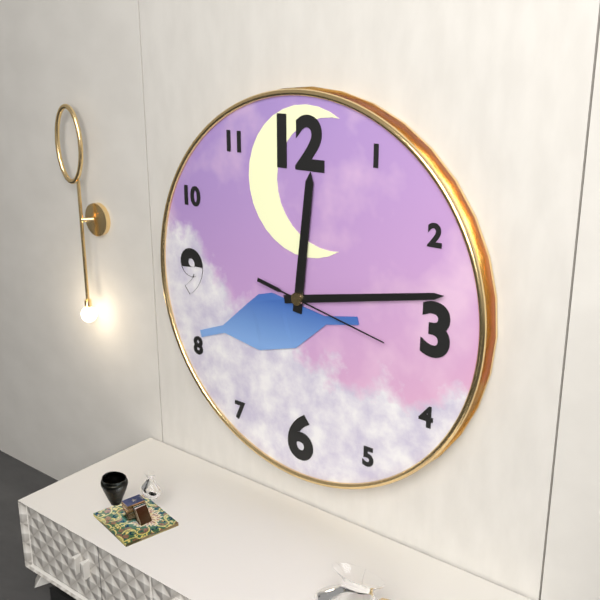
12:13:17
